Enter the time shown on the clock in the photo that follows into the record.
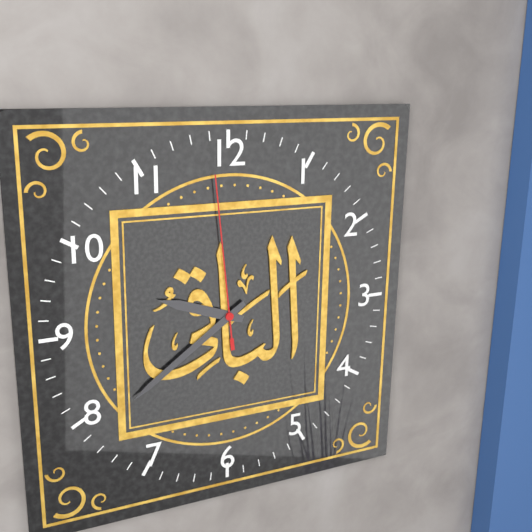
9:39:59
